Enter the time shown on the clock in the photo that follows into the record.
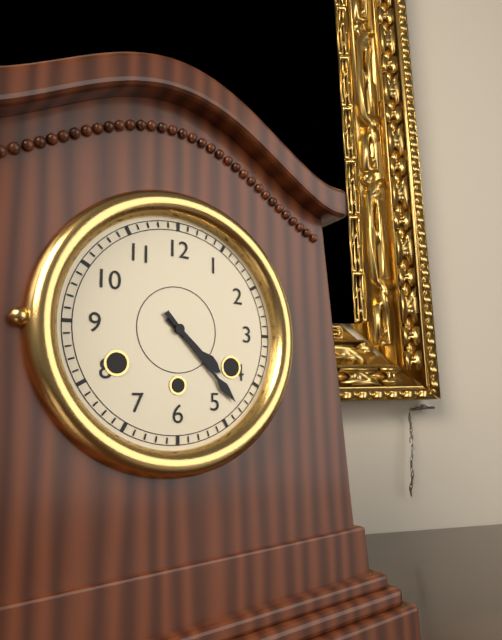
4:23
